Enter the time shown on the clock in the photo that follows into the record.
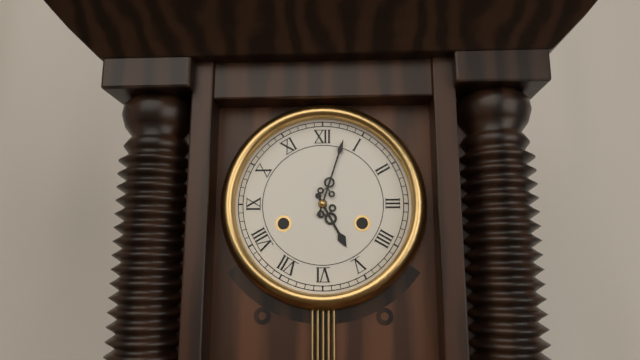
5:03
